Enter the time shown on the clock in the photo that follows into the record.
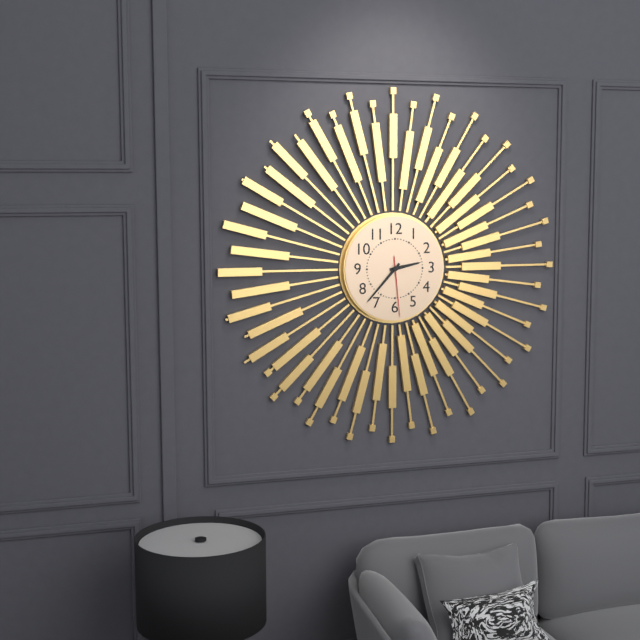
2:37:29
